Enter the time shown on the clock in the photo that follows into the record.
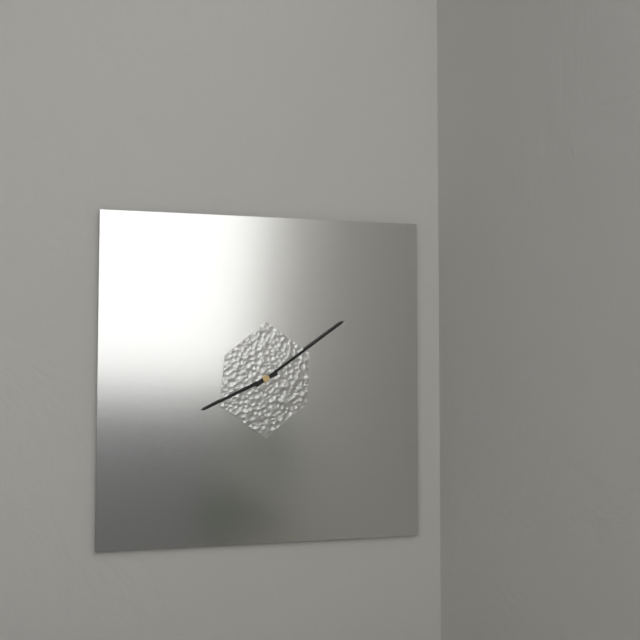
8:09
